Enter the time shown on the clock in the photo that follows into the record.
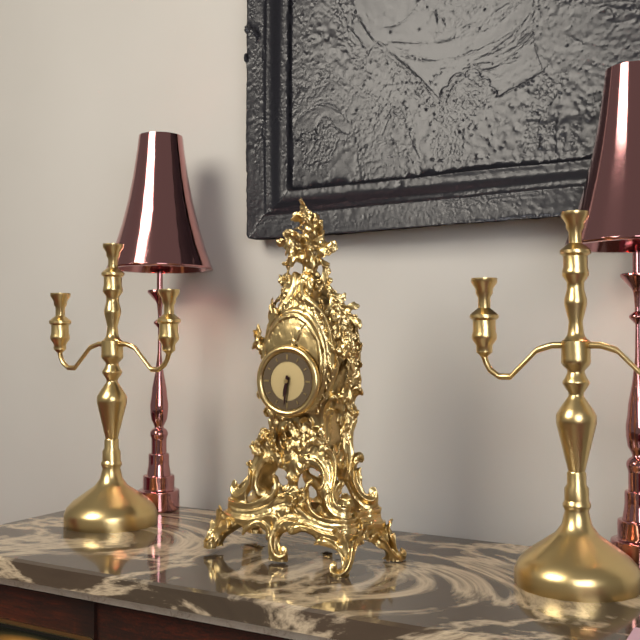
6:31
